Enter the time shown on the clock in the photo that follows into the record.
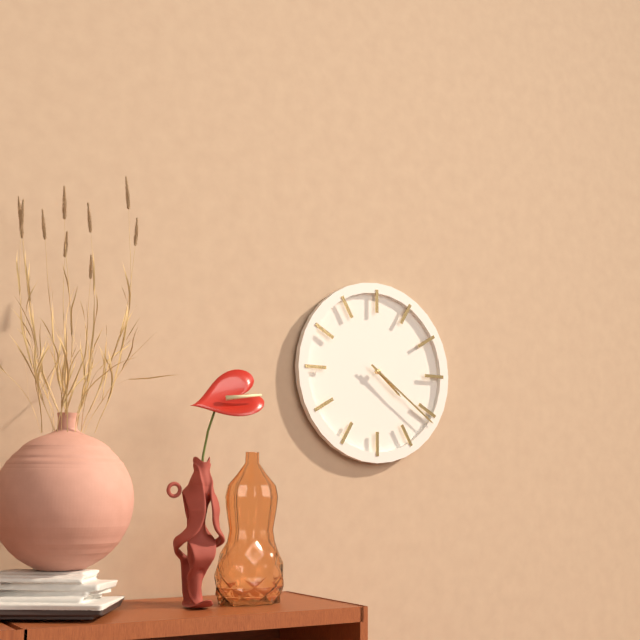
4:21
